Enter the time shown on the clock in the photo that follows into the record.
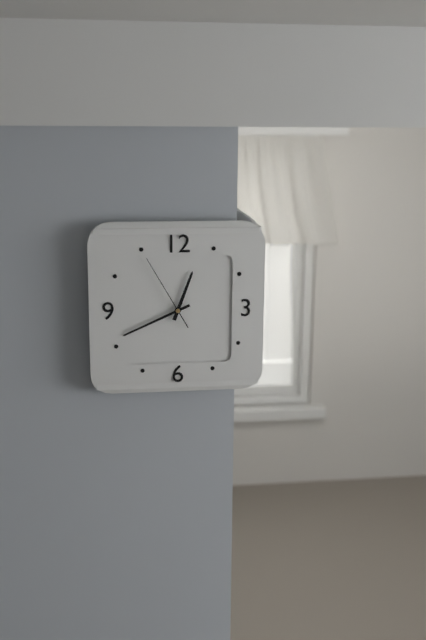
12:41:55
